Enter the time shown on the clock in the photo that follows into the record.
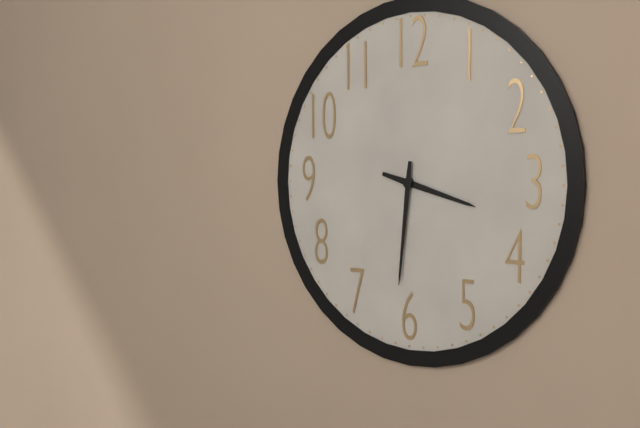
3:31
